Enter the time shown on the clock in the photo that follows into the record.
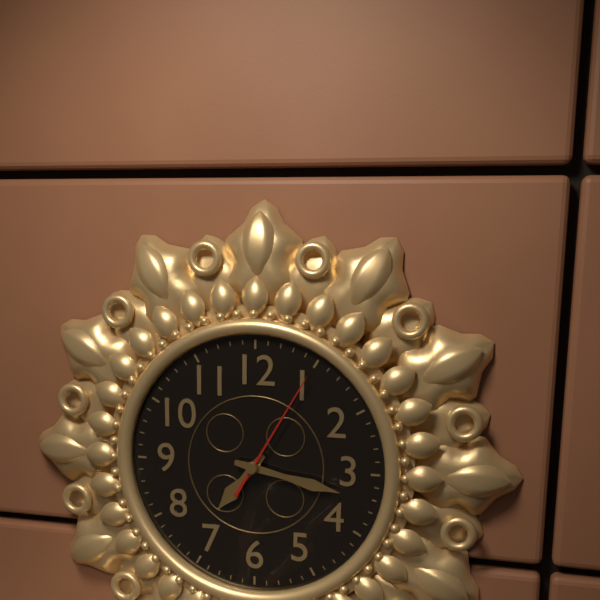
7:17:05
